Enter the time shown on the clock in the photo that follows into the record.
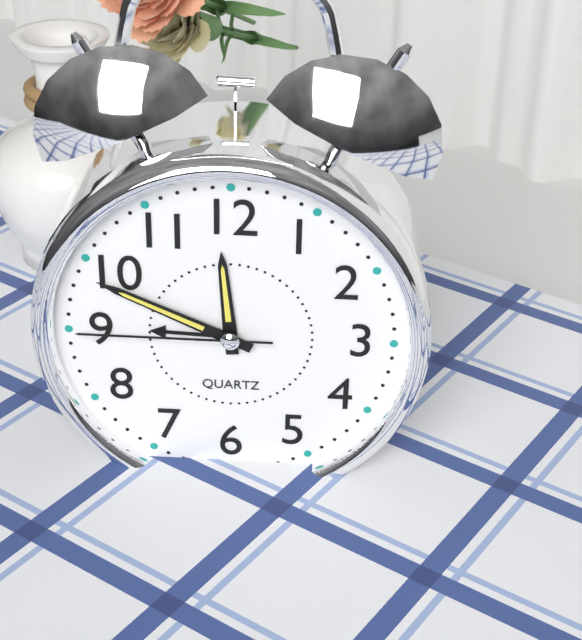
11:49:45
